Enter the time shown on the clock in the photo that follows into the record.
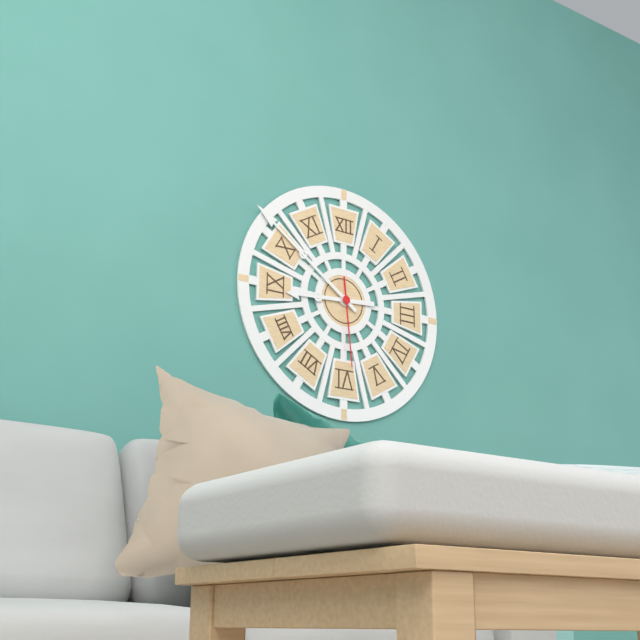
8:51:29
